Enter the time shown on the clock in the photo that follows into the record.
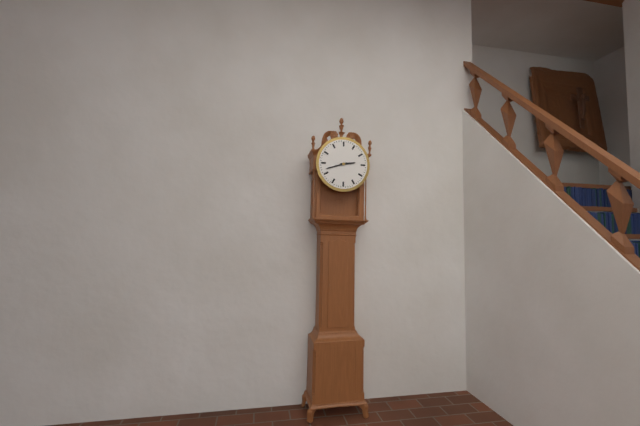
2:42
